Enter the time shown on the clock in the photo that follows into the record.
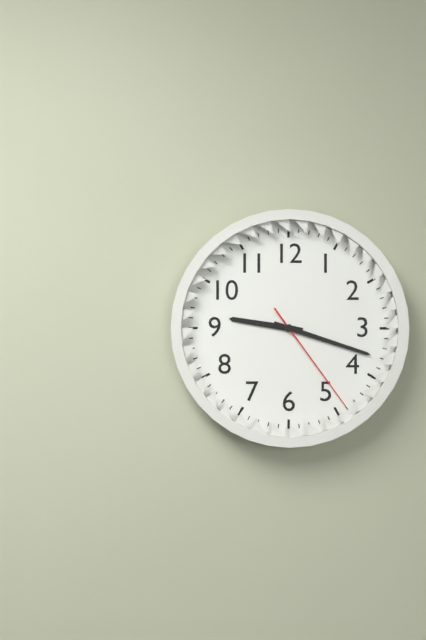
9:18:24
